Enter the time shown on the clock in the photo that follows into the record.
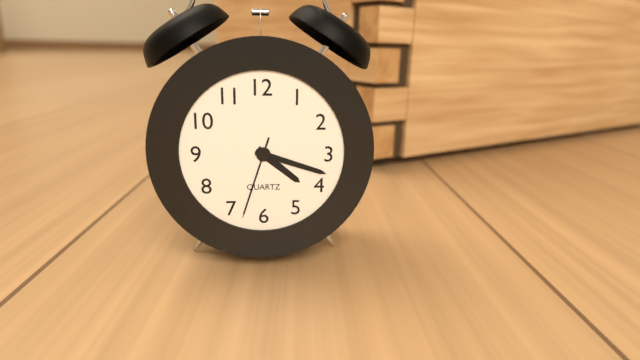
4:18:33
